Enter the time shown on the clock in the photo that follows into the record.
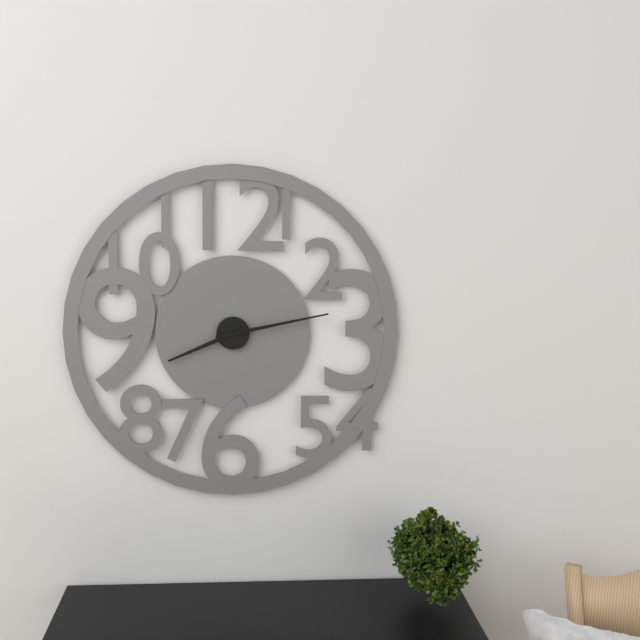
8:13
